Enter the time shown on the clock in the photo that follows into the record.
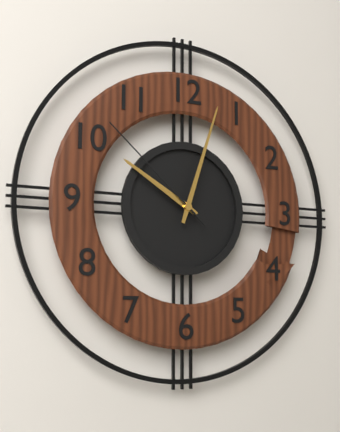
10:03:52
